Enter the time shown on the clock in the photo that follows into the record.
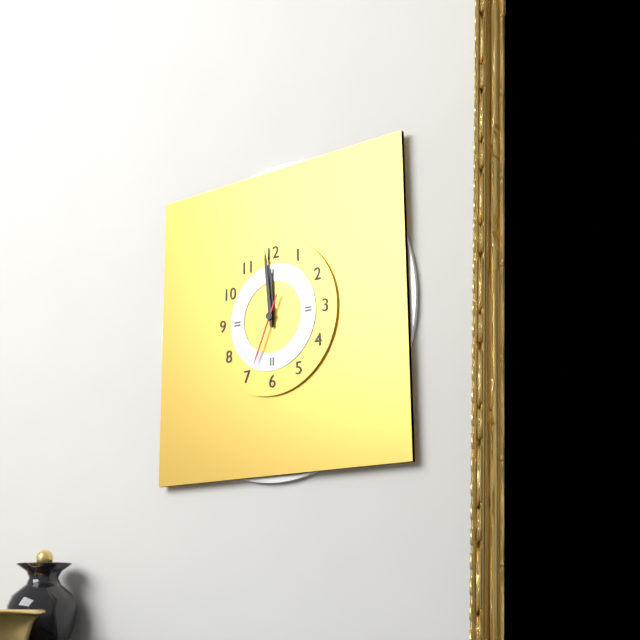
11:59:34
